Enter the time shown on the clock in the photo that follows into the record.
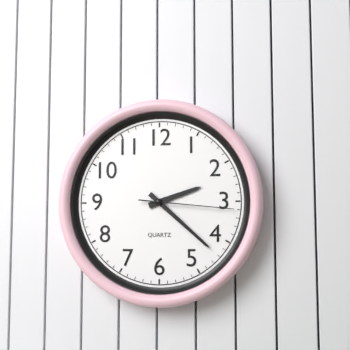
2:22:16
